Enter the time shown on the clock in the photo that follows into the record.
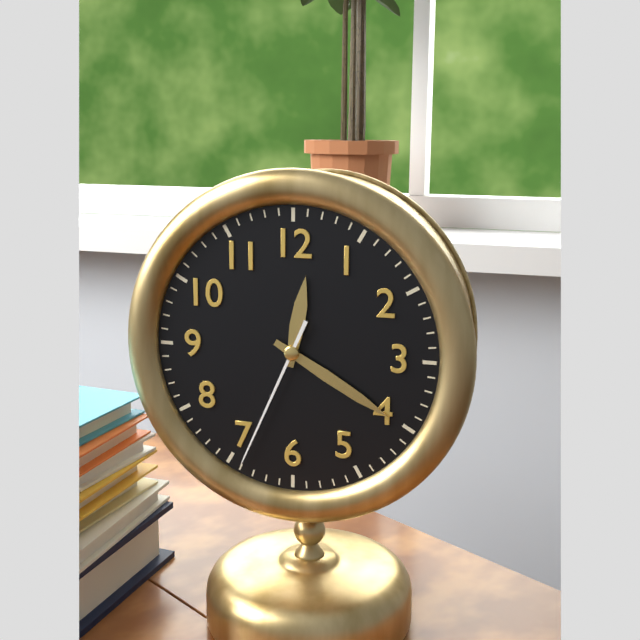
12:20:34
